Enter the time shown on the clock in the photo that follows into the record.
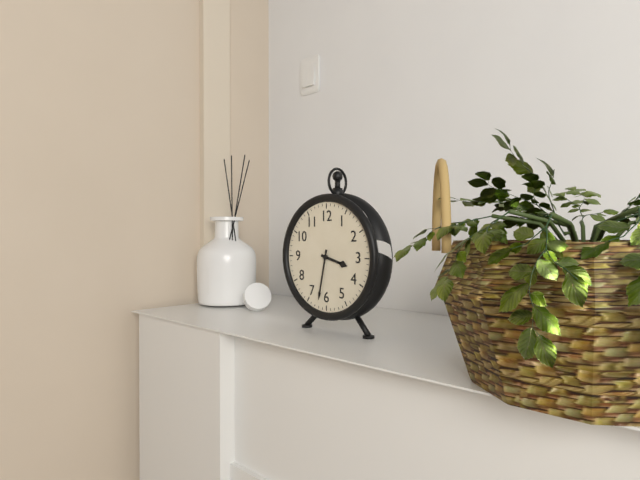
3:32
